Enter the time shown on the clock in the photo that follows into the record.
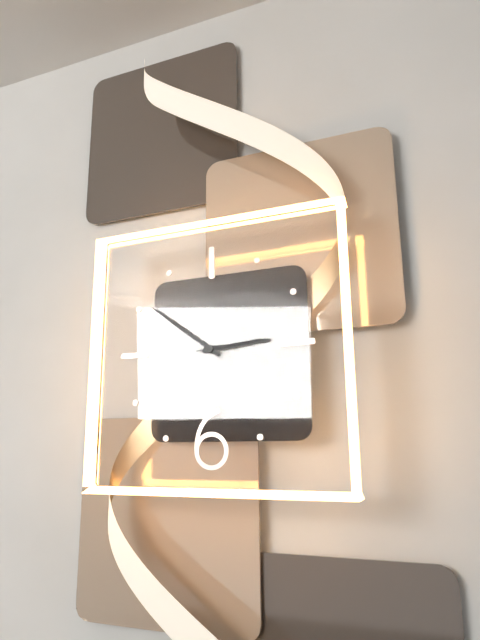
2:51:14
